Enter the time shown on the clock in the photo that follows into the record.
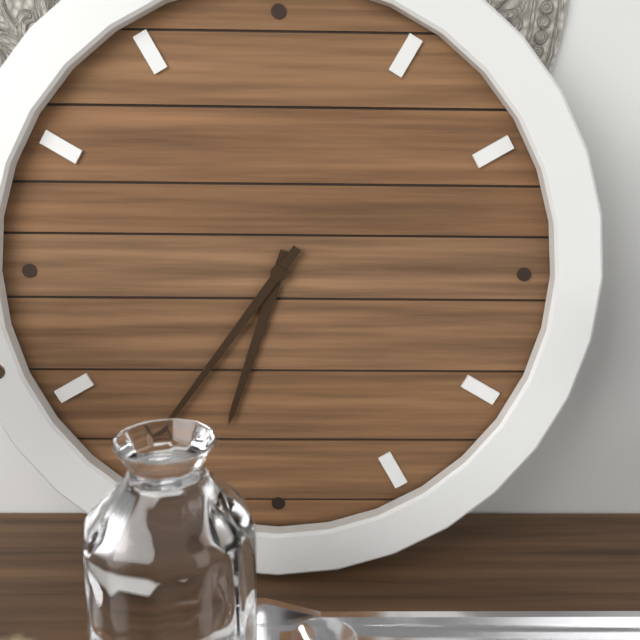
6:36
